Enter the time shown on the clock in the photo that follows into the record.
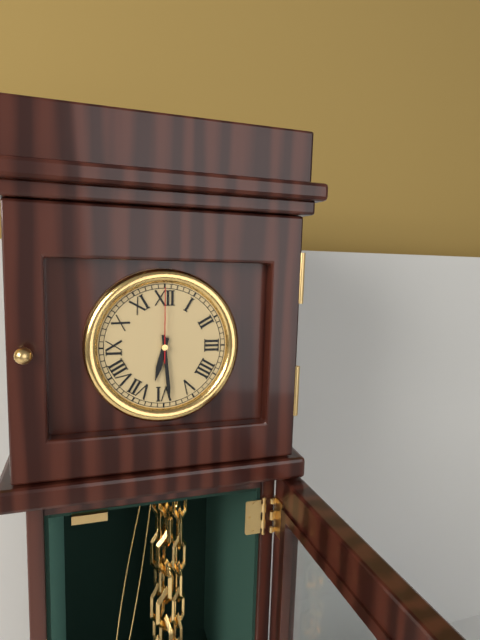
6:29:00
